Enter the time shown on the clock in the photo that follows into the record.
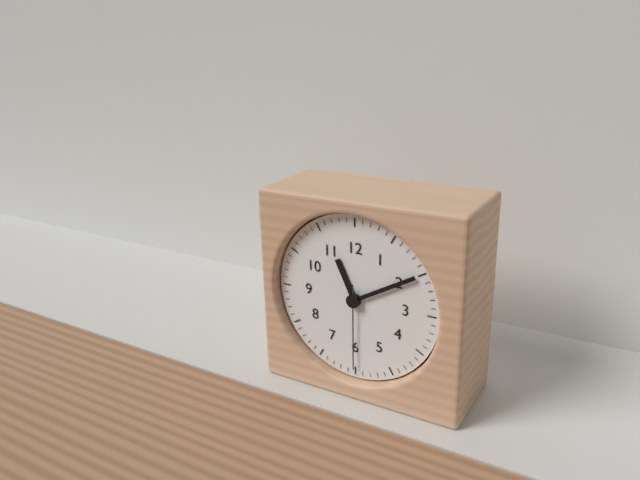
11:10:30
